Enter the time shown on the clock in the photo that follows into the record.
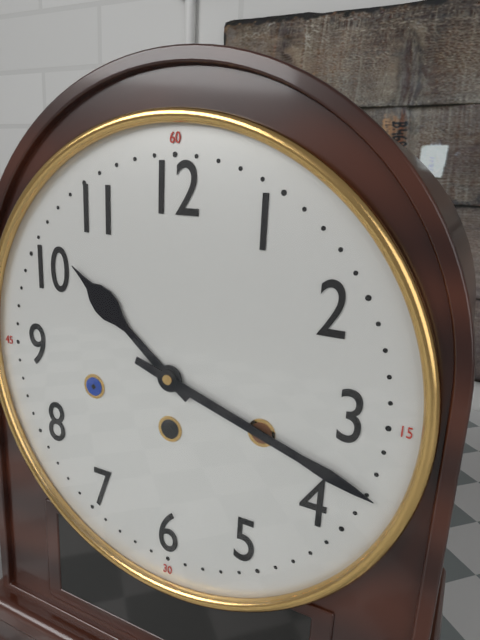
10:18
